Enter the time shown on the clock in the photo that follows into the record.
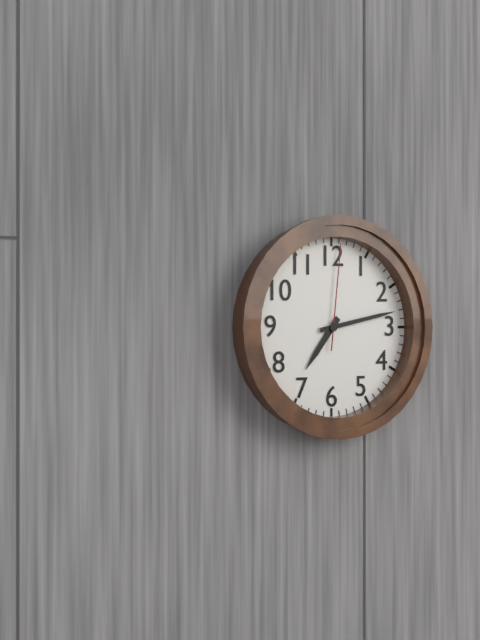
7:13:01
